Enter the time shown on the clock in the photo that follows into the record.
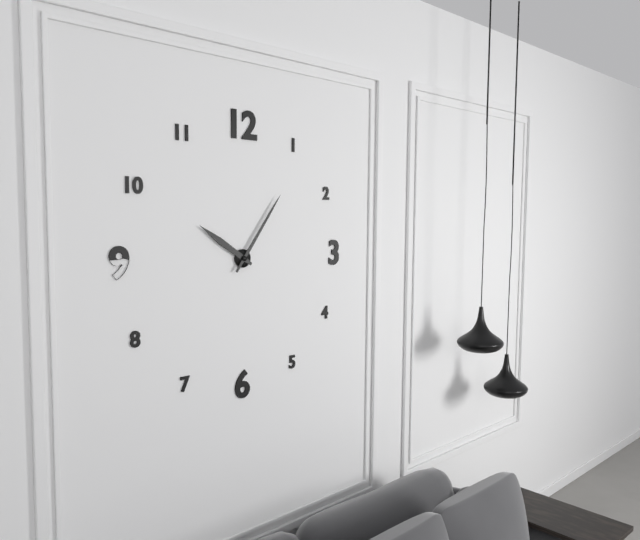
10:06
